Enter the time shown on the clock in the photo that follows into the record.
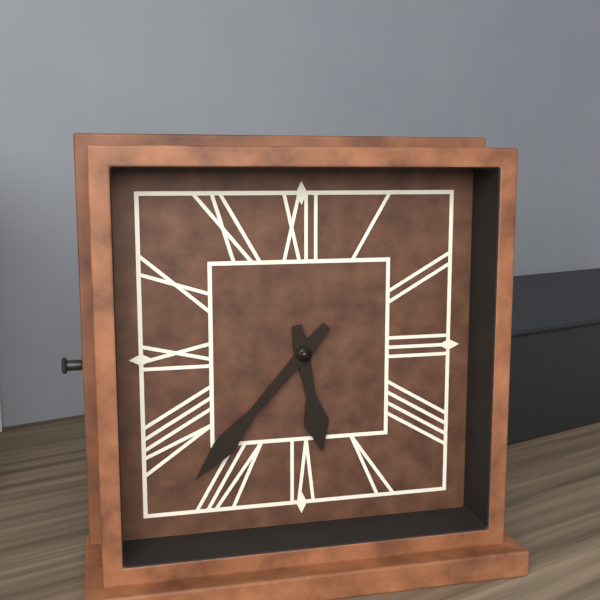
5:37
